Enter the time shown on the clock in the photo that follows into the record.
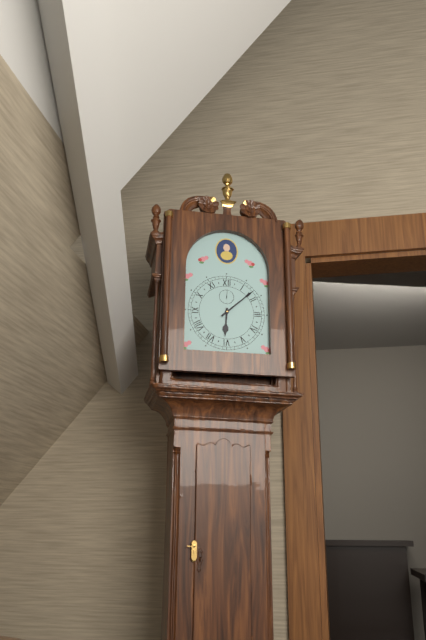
6:08
